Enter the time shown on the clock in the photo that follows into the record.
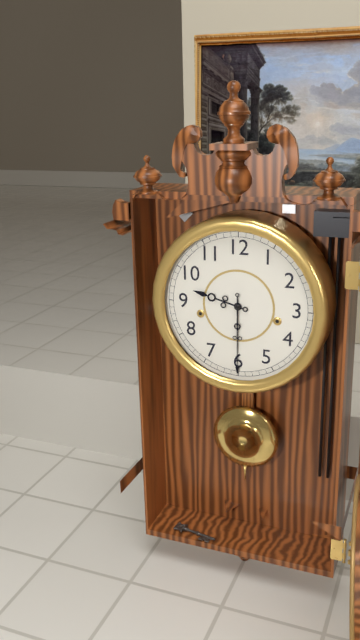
9:30
